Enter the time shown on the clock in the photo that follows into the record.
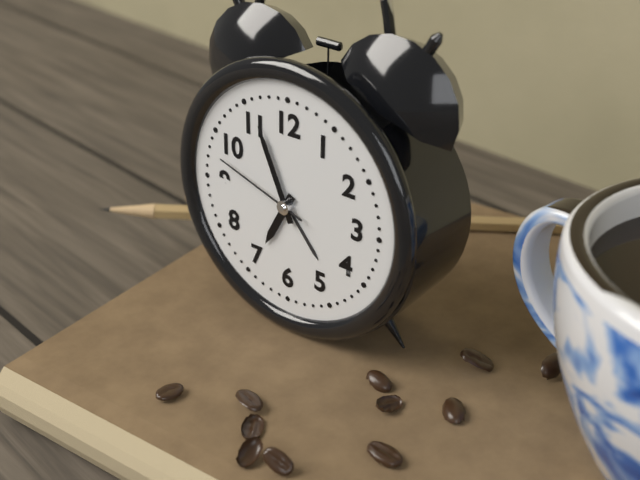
6:56:48
